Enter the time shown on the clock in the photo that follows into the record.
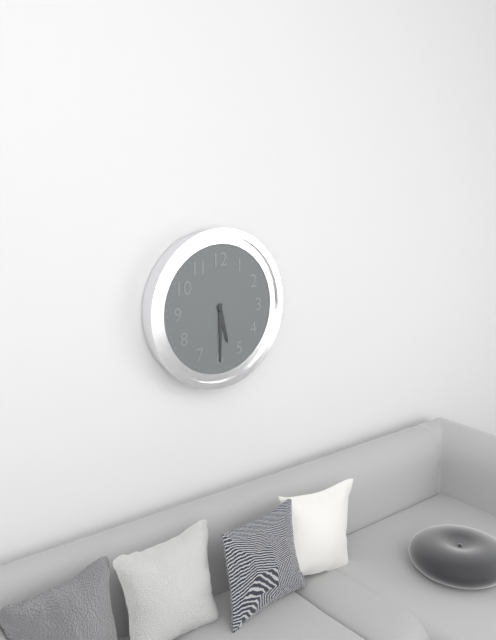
5:30
